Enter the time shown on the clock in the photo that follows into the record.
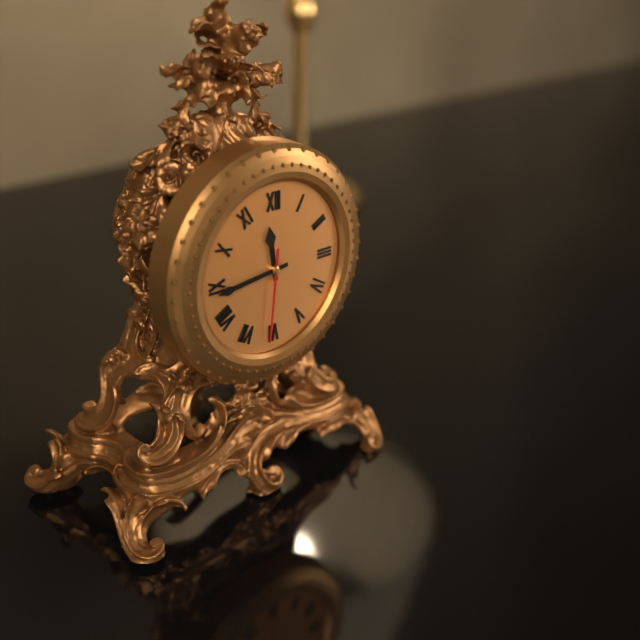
11:44:31
